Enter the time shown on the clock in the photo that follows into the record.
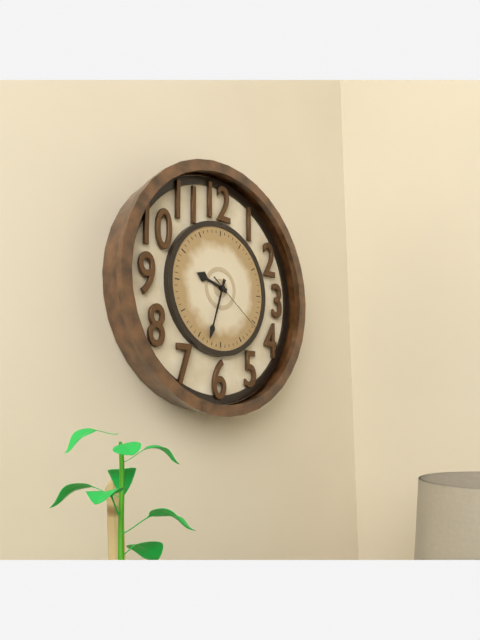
9:33:21
